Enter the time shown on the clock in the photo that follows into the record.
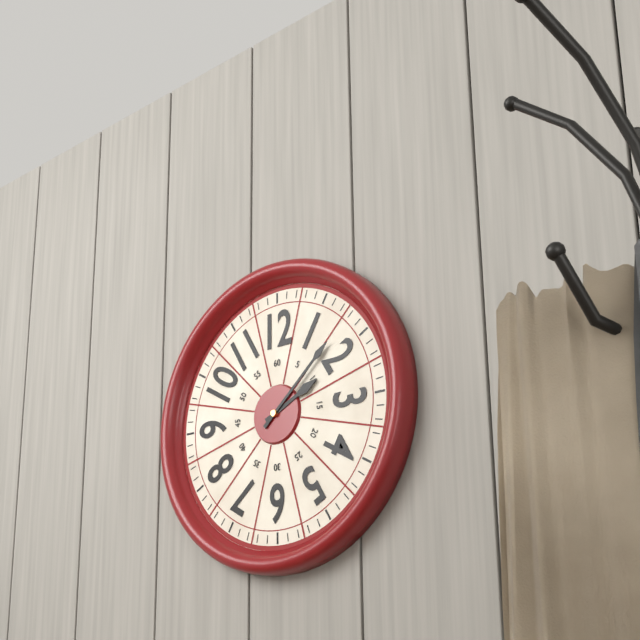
2:08
